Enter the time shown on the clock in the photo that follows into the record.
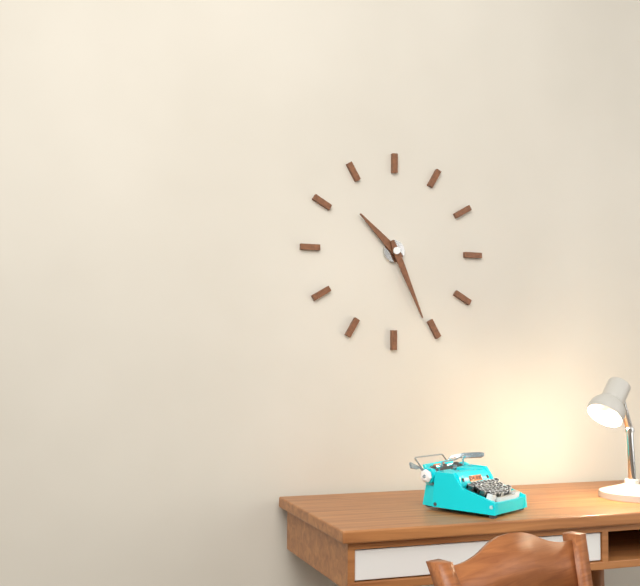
10:26
